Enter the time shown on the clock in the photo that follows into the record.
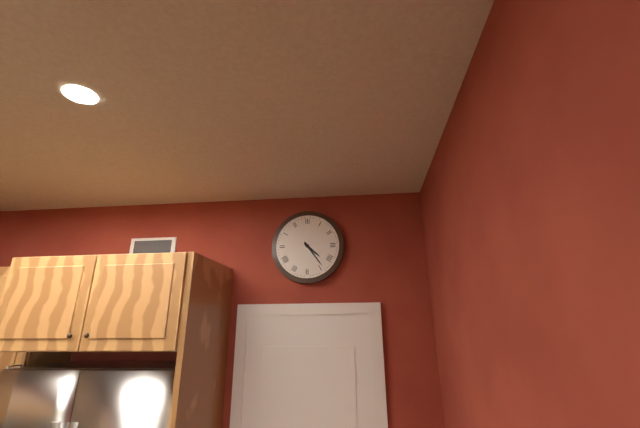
4:24
